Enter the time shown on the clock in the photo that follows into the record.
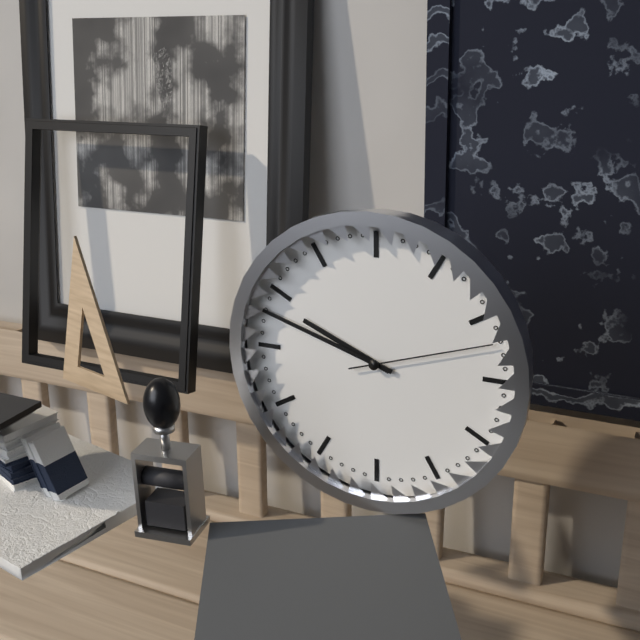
9:48:12
